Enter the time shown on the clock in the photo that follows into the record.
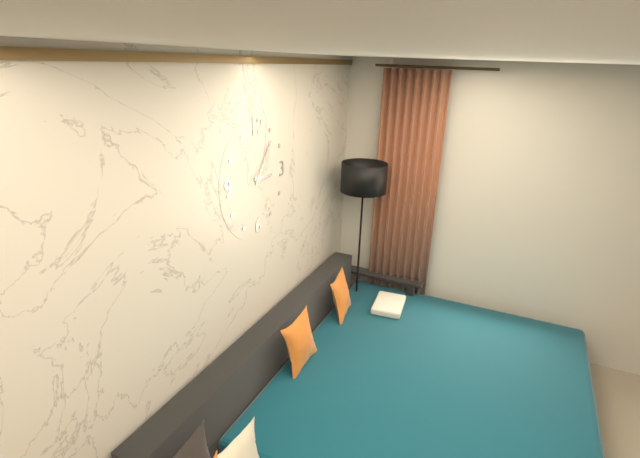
3:06
